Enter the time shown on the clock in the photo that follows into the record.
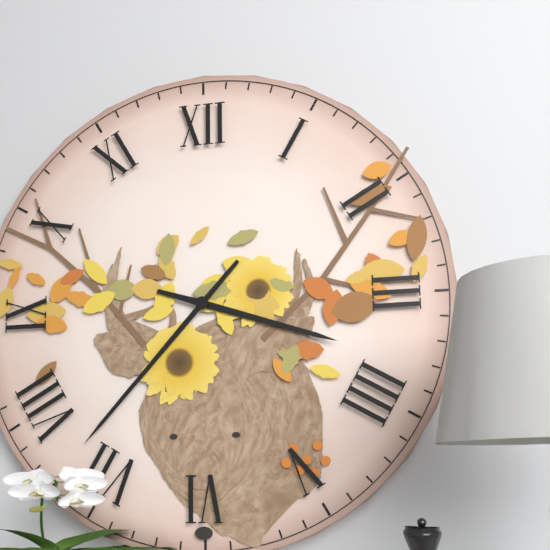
3:37
